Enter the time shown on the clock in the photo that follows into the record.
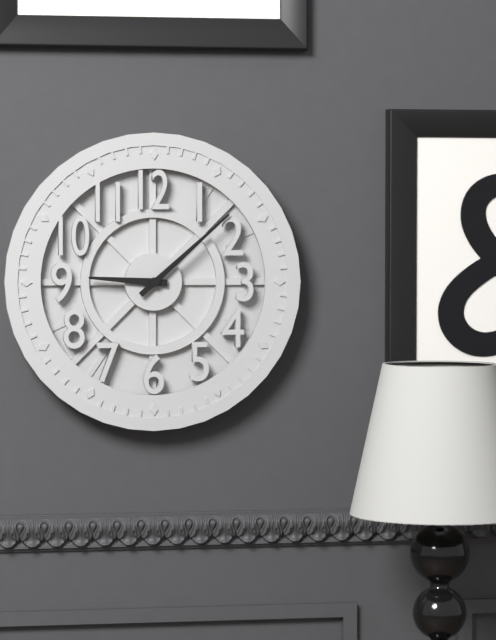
9:08
